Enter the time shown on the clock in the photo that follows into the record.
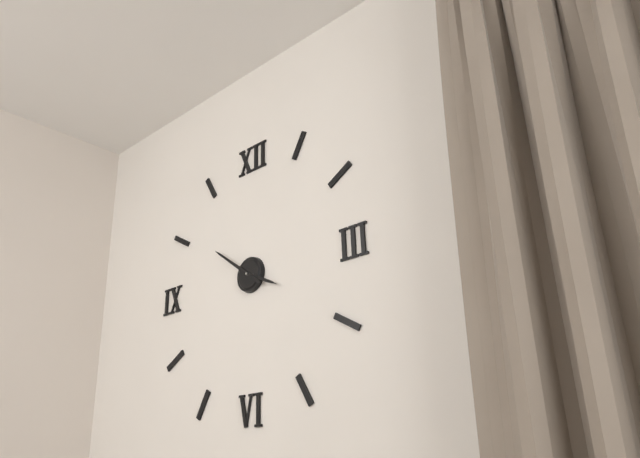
3:51
